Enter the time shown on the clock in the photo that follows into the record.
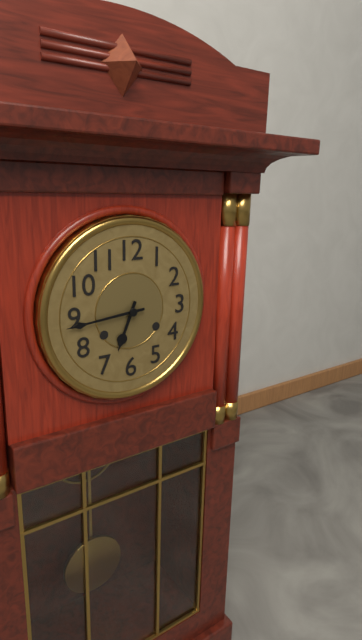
6:44
